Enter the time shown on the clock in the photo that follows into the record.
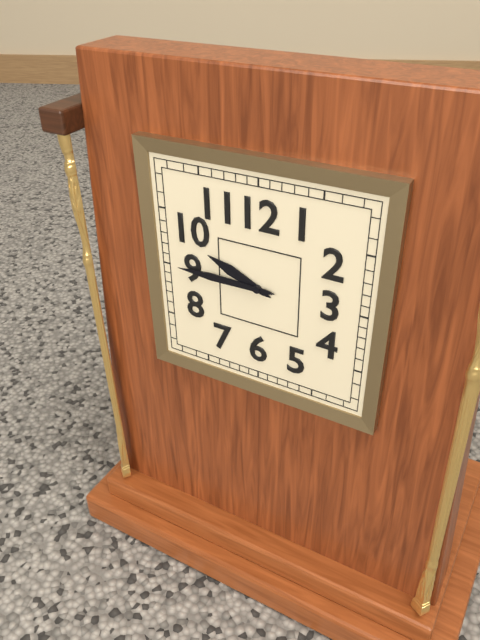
9:45
